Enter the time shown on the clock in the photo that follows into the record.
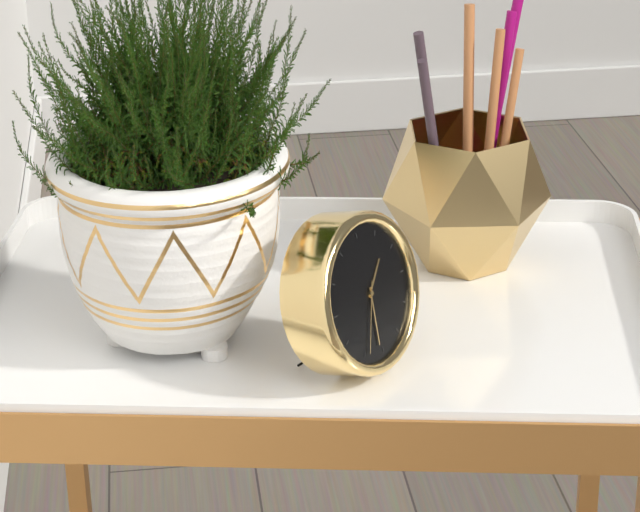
1:31:34
